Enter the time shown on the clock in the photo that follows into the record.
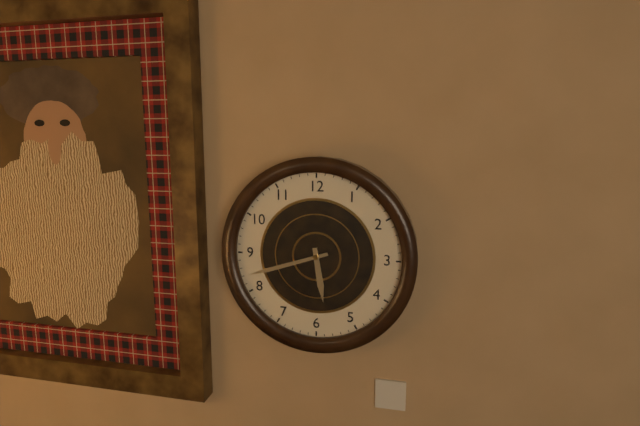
5:42
